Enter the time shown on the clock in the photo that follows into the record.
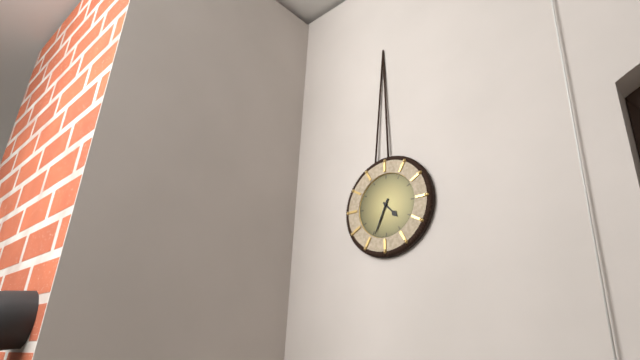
4:34
